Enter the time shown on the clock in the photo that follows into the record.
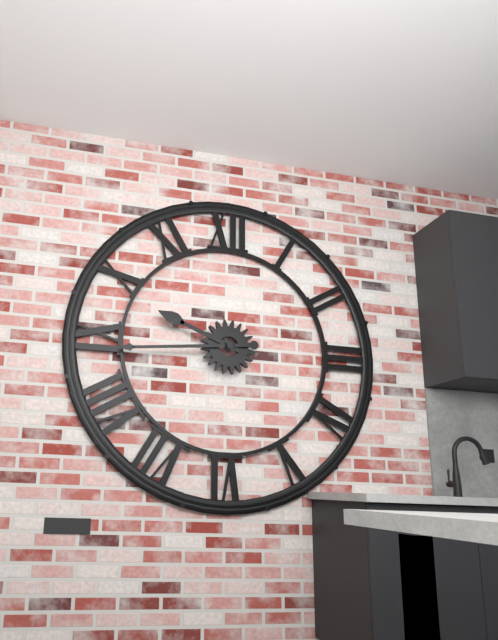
9:44
